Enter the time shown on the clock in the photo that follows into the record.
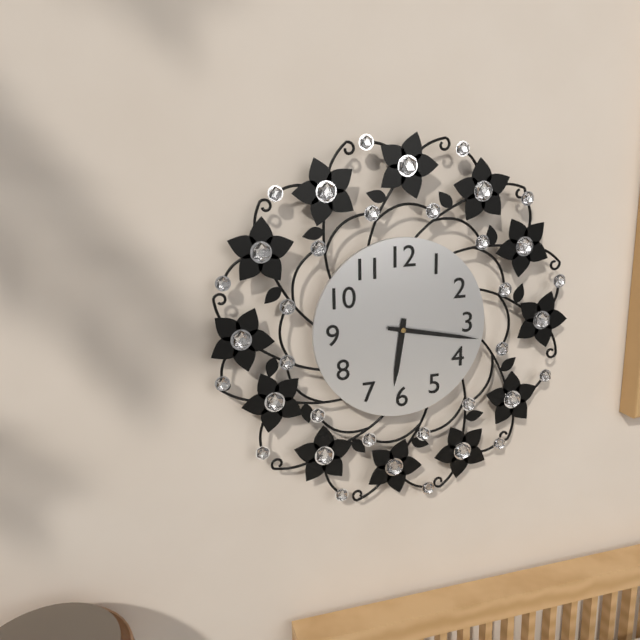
6:17
